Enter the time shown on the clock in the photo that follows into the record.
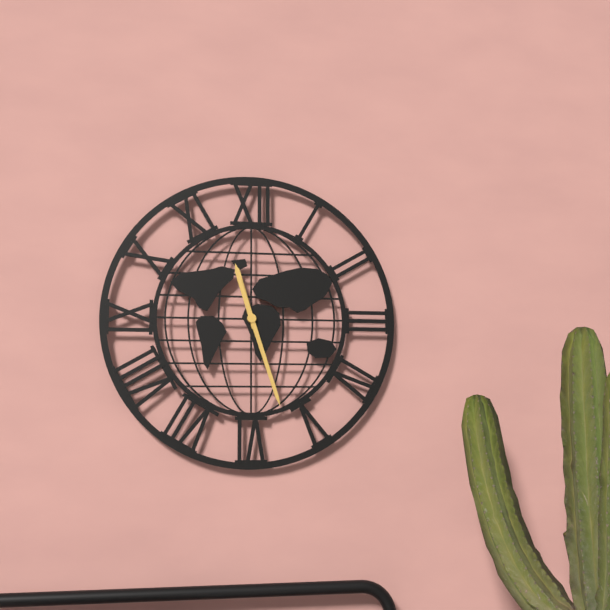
11:27
